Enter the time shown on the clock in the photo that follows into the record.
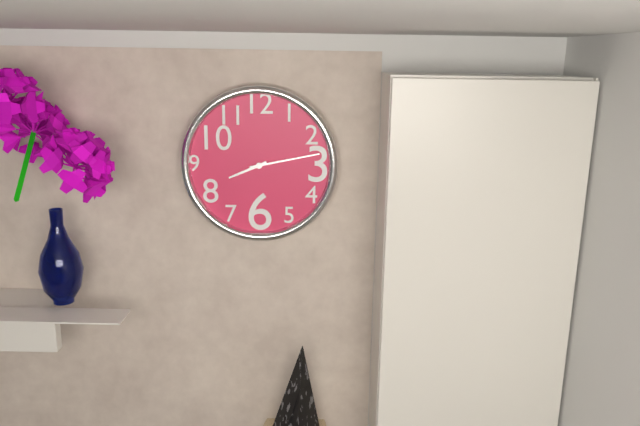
8:13
